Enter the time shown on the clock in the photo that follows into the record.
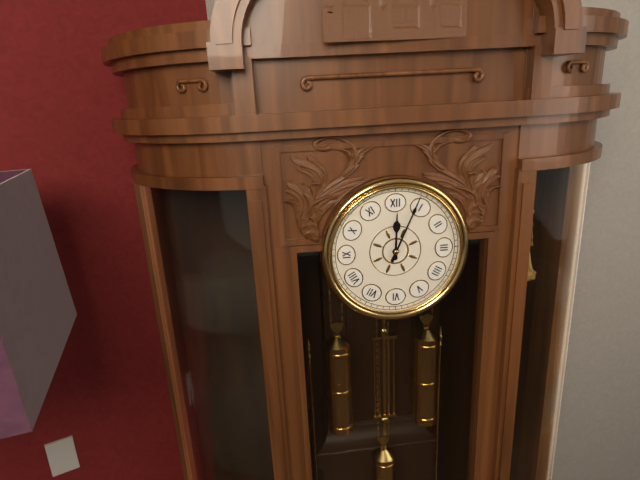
12:04
